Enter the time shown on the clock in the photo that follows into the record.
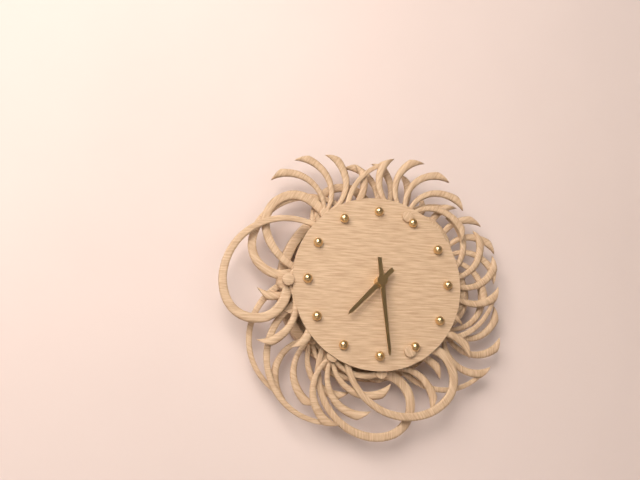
7:29
